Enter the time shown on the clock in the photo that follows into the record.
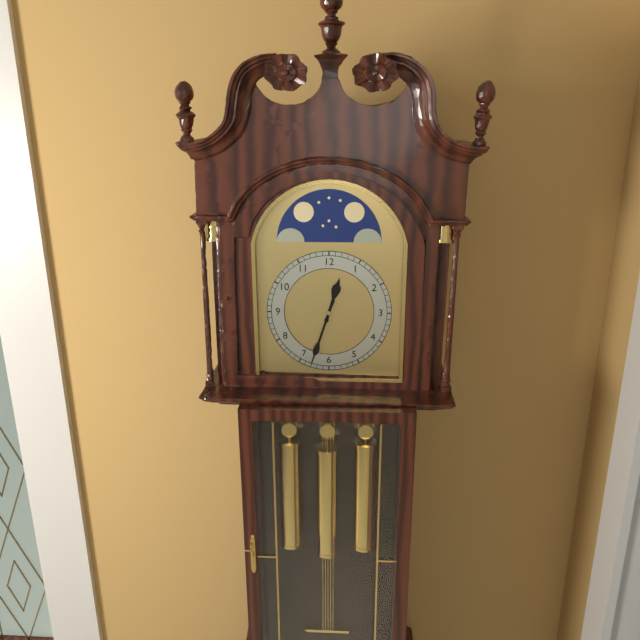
12:33
